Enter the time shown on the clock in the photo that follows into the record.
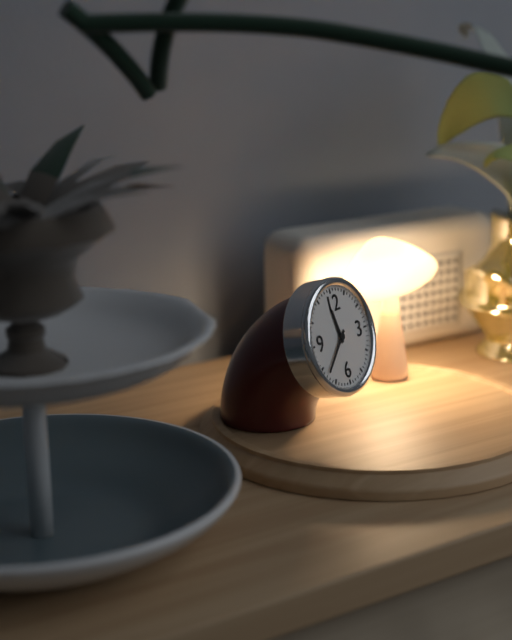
11:38
